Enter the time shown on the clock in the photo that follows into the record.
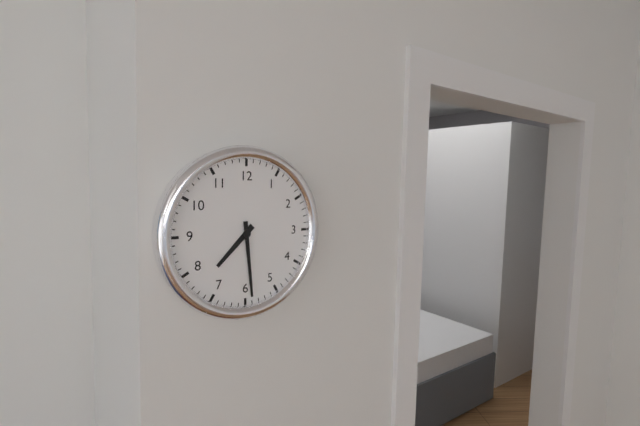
7:29
